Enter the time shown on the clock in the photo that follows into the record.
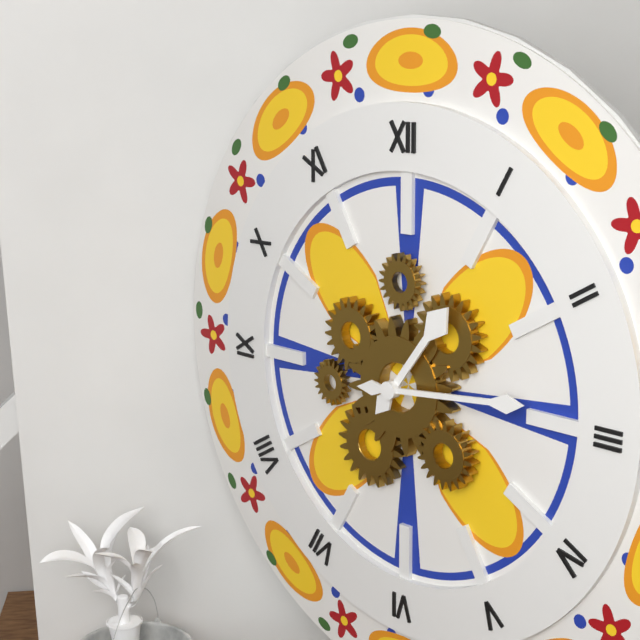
1:14
